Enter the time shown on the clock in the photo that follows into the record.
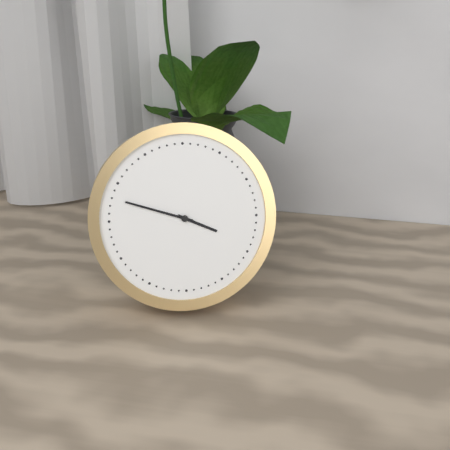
3:48
